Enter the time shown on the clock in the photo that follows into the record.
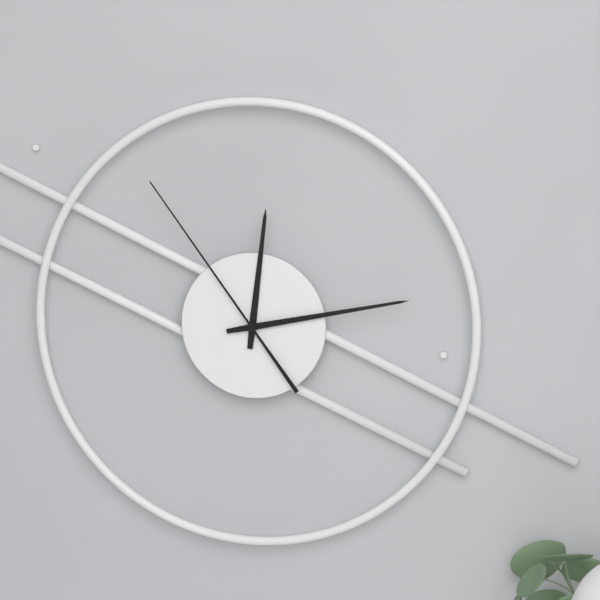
12:13:54
